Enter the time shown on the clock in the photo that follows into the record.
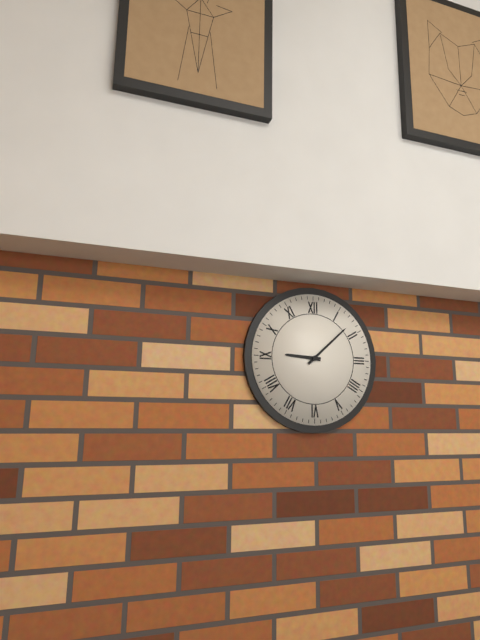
9:08
